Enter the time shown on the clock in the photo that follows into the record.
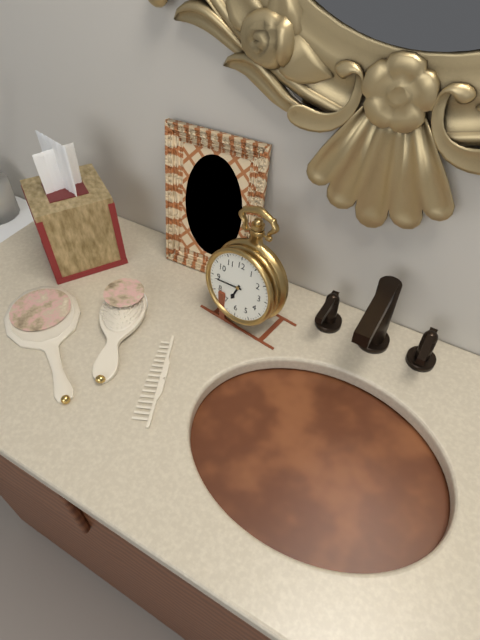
6:44
